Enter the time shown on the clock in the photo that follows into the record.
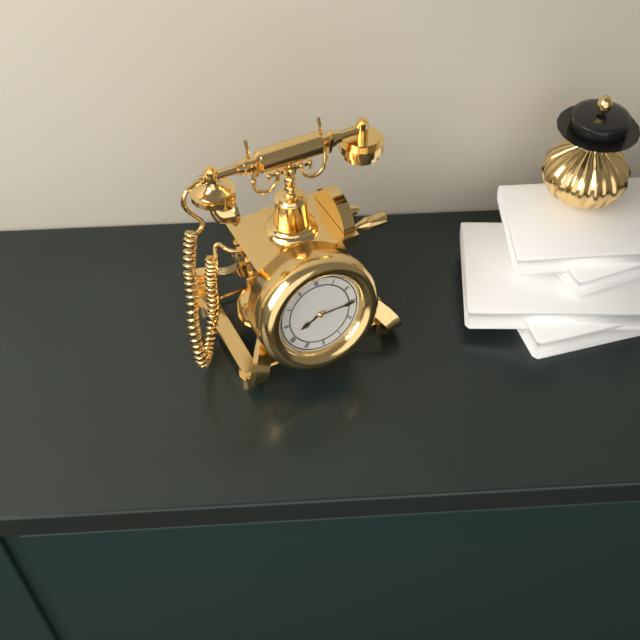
8:15
